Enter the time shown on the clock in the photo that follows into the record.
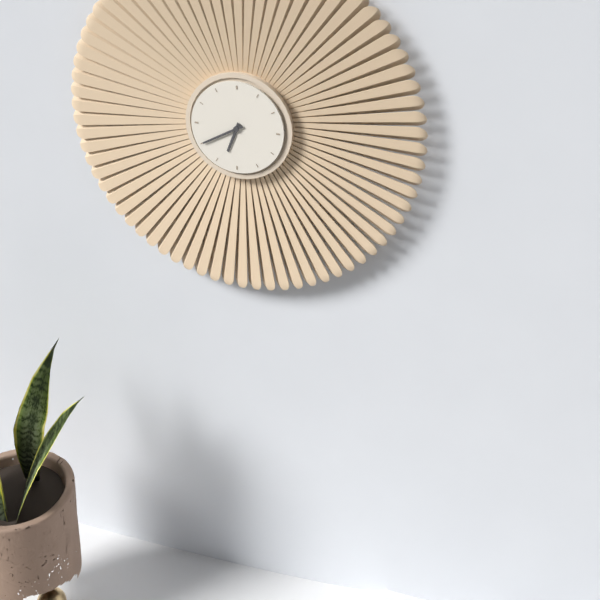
6:40
